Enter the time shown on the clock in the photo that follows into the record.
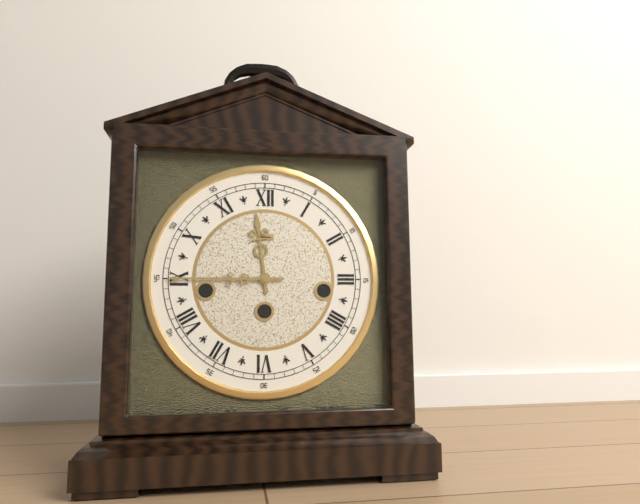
11:45
